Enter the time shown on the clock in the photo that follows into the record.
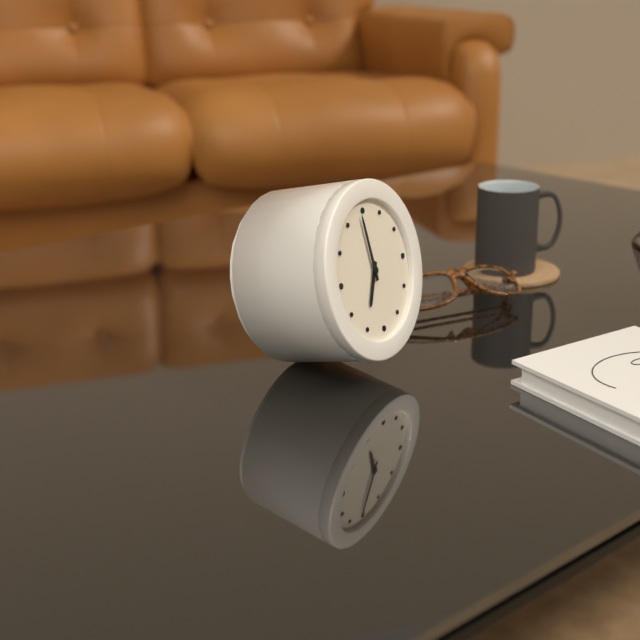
6:59
